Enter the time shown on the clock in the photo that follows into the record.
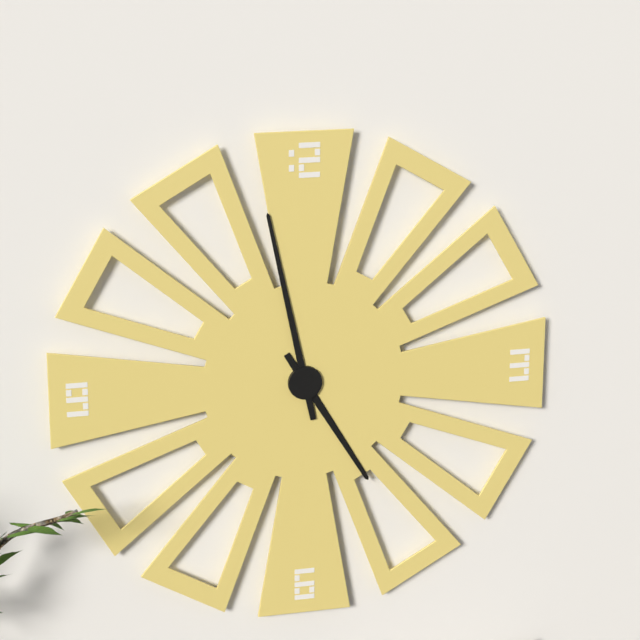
4:58
